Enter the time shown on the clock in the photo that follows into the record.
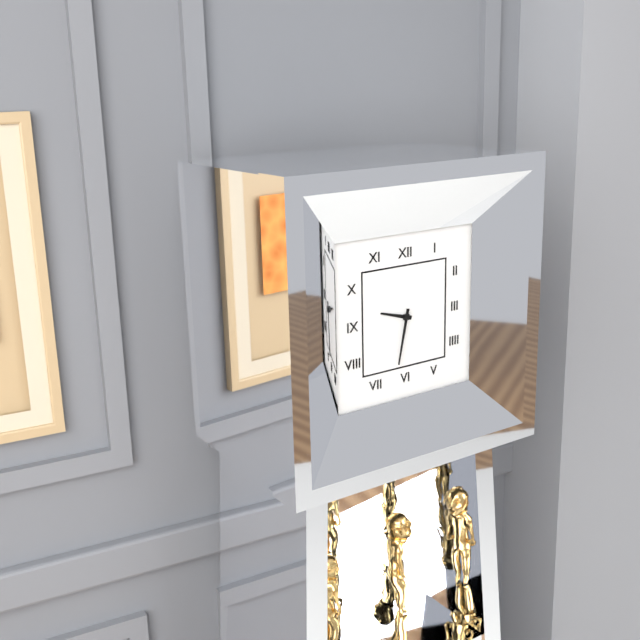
9:32
